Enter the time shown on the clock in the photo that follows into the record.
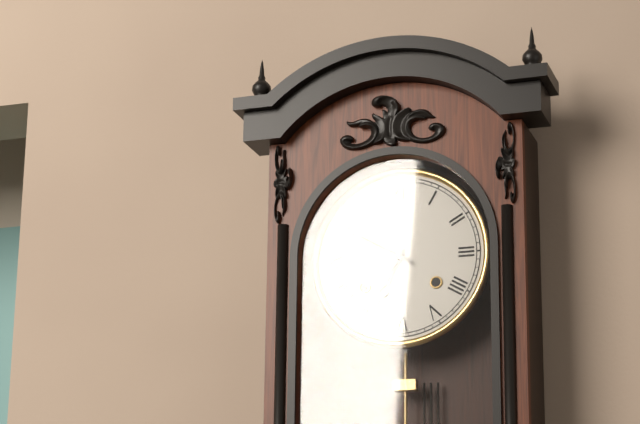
6:50
